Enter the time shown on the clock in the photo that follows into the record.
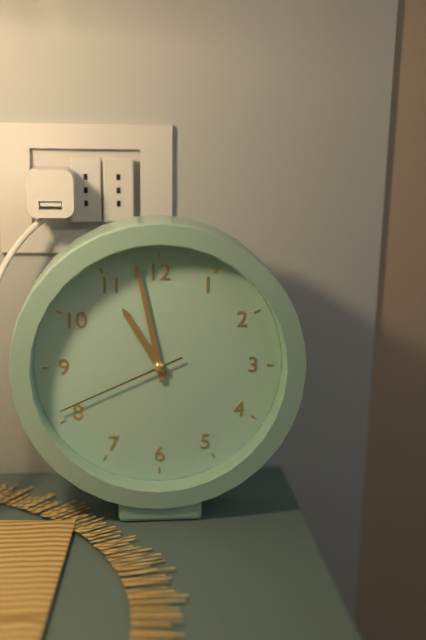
10:58:41
